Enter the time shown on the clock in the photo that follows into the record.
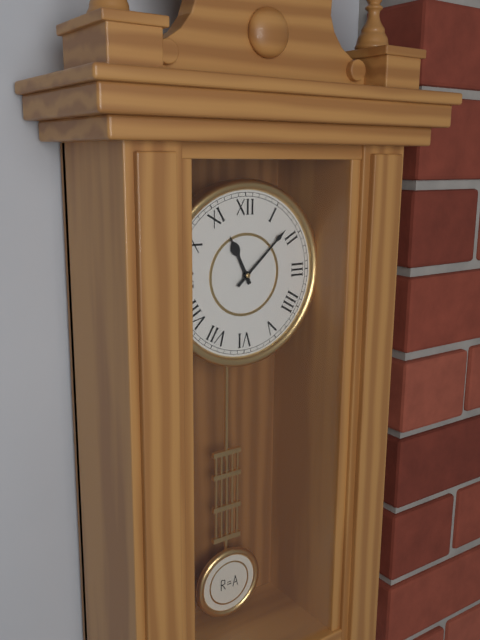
11:08
